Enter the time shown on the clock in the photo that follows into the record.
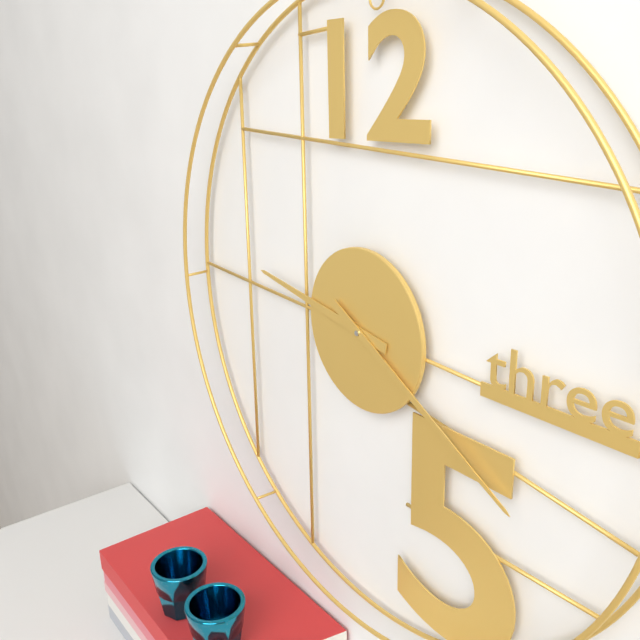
9:20
